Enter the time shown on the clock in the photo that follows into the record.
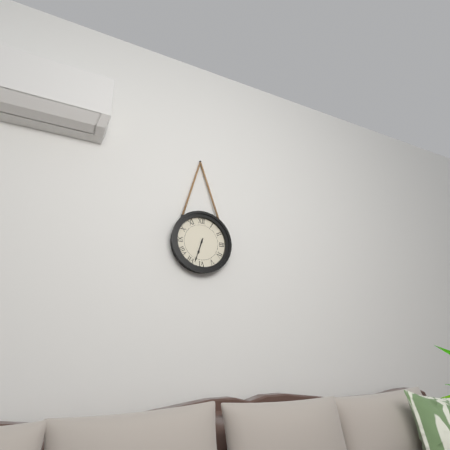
6:33
